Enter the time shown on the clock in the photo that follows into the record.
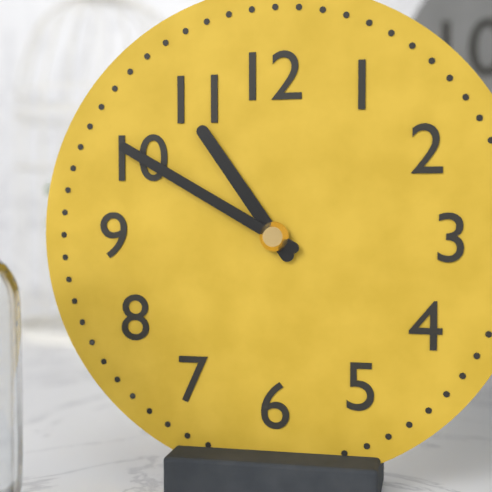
10:50
